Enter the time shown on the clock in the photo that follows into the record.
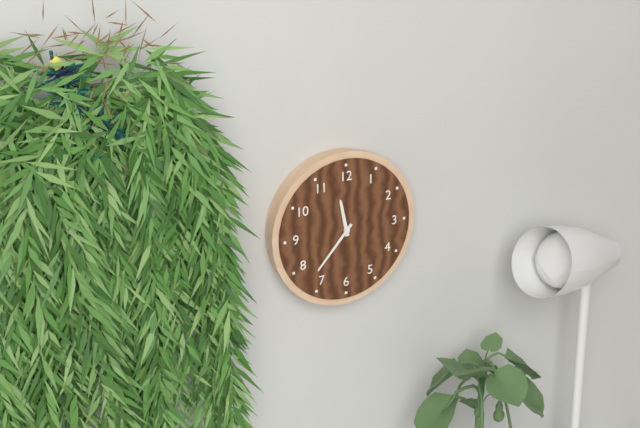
11:37
